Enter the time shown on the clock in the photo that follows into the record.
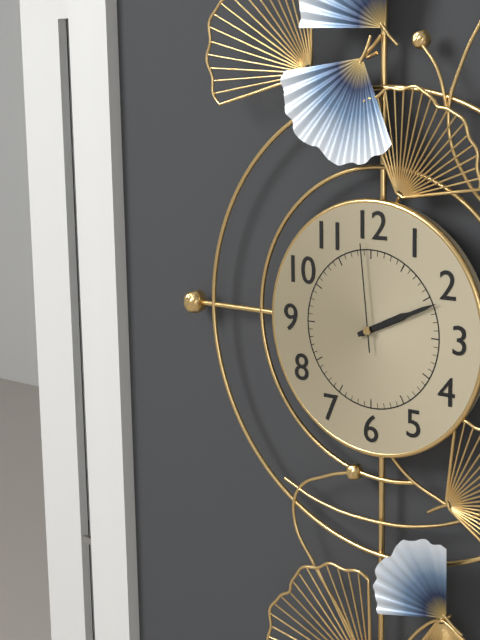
2:11:59
